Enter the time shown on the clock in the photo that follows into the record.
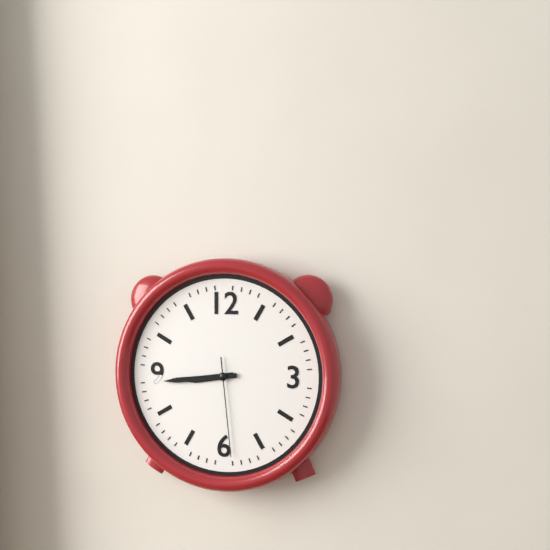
8:44:29
